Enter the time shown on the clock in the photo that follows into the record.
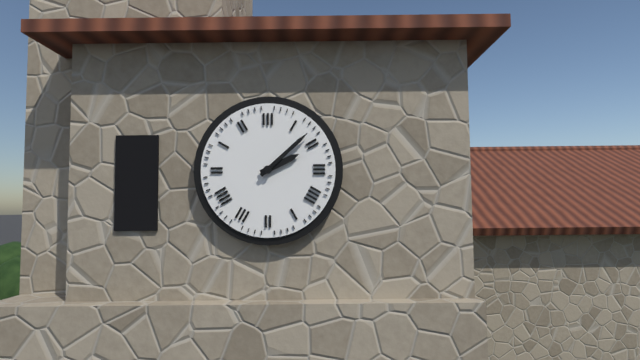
2:08
